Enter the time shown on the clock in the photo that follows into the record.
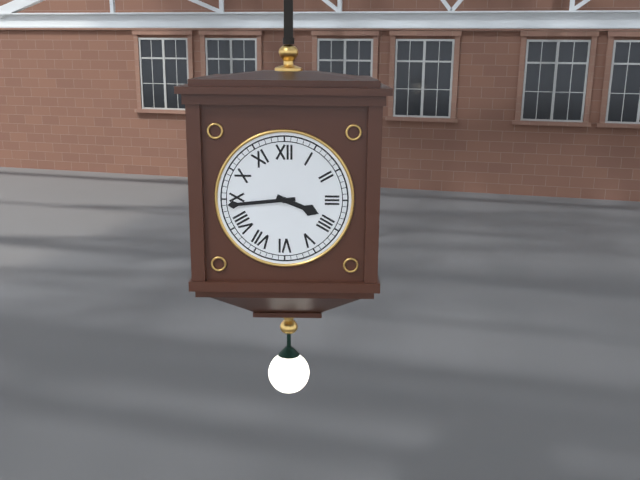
3:44
